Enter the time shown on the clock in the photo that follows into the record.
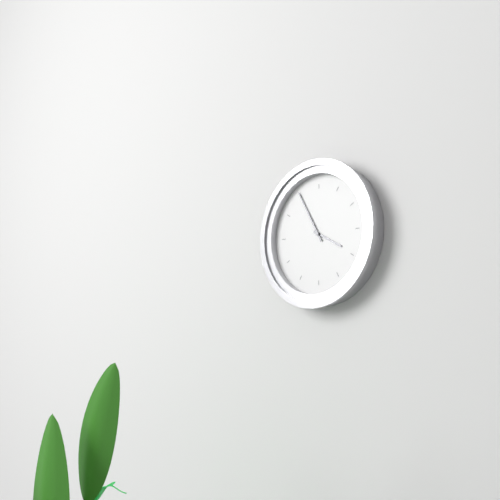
3:55
